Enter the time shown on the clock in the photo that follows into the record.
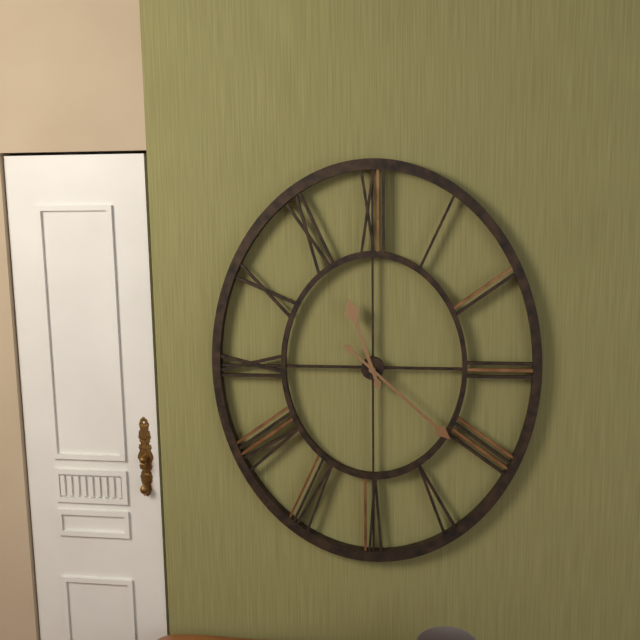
11:22
